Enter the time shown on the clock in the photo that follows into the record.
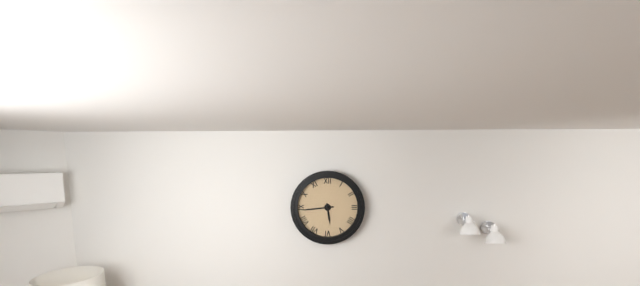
5:44
